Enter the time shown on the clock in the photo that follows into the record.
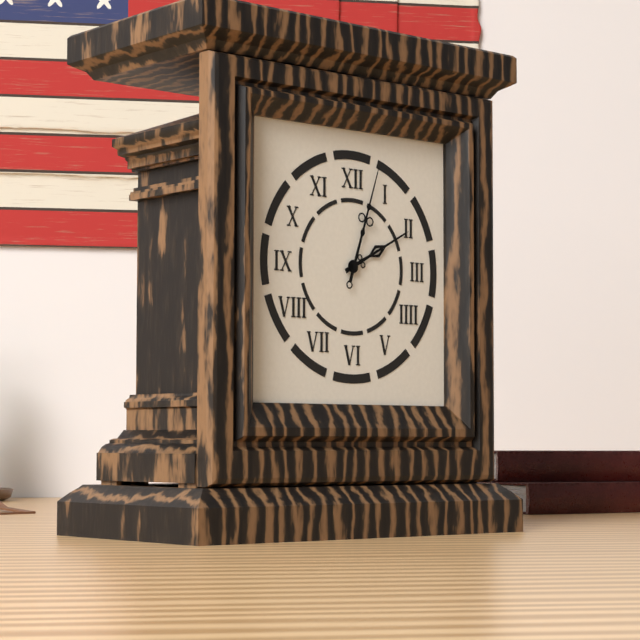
2:03
